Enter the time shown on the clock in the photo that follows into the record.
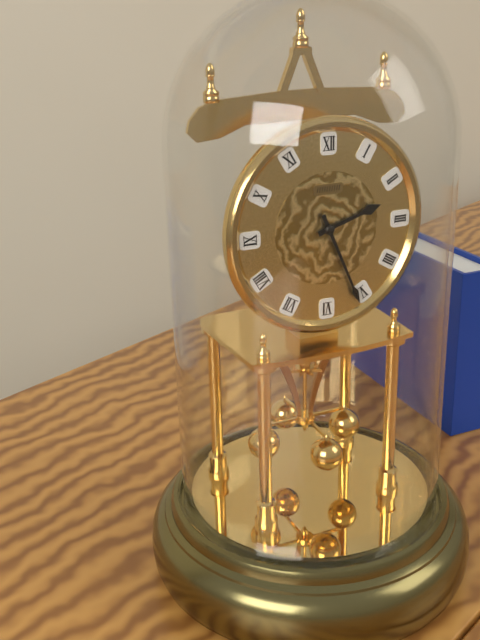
2:26
